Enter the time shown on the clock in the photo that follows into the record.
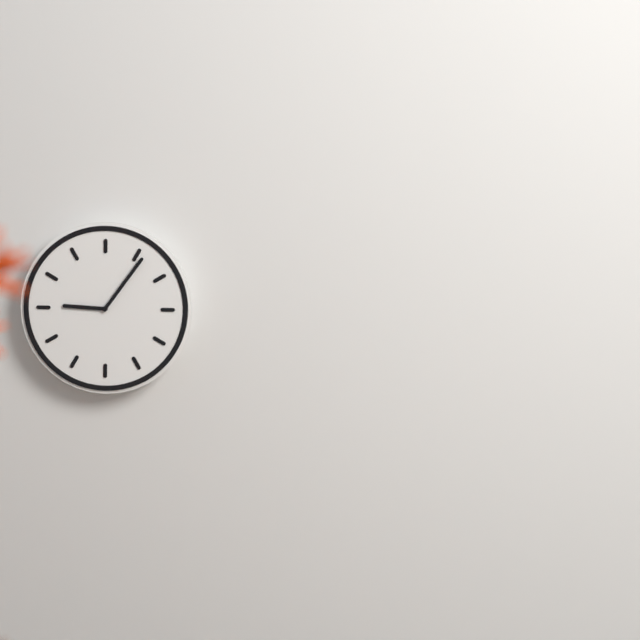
9:06
